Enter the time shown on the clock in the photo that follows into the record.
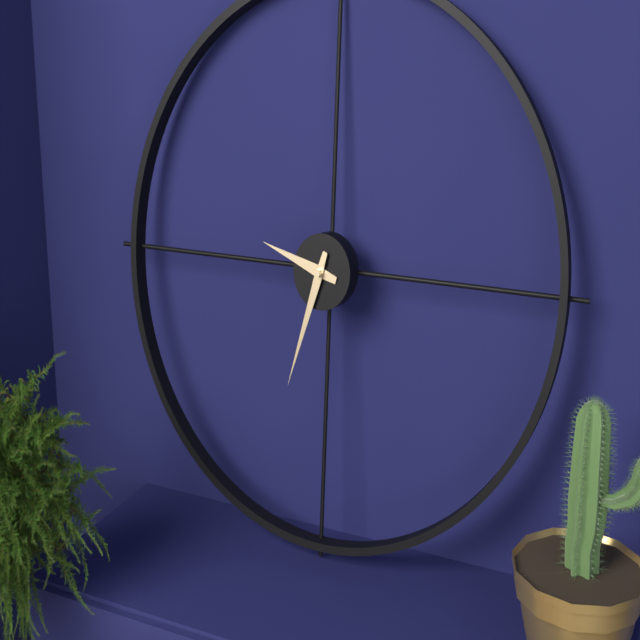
9:33
